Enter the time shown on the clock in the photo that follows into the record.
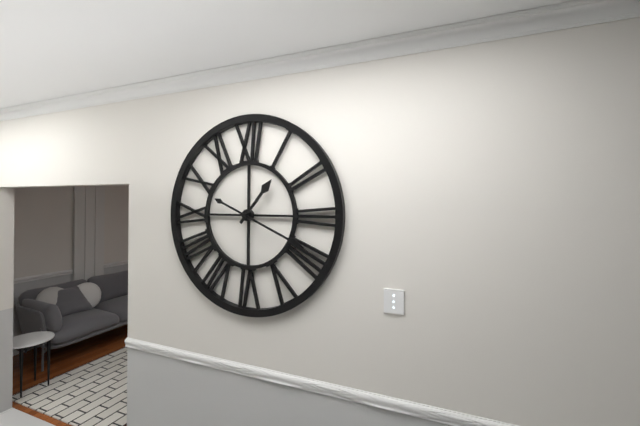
1:19
